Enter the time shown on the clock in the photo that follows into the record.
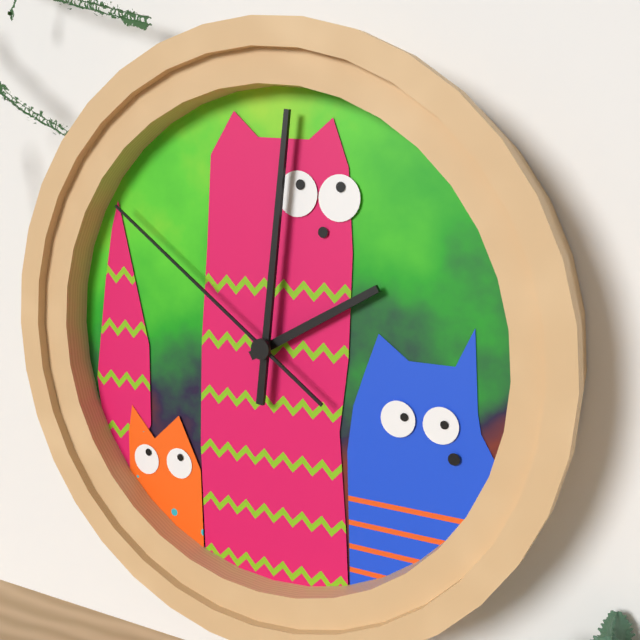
2:01:51
